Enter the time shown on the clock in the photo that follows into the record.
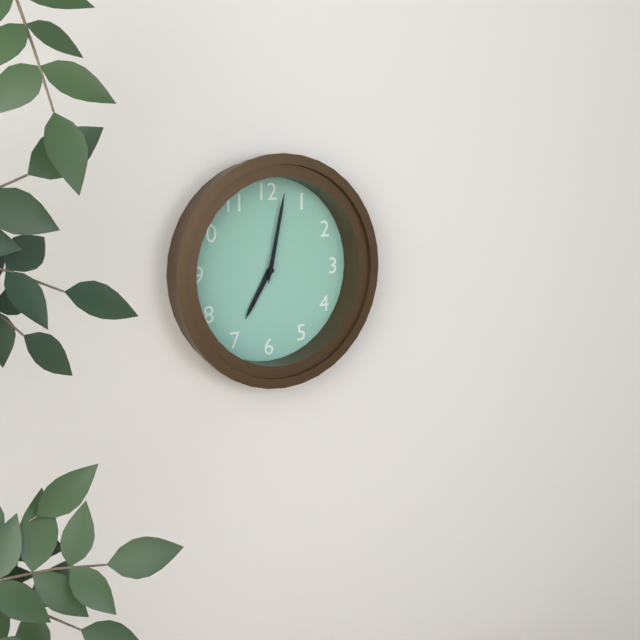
7:02
